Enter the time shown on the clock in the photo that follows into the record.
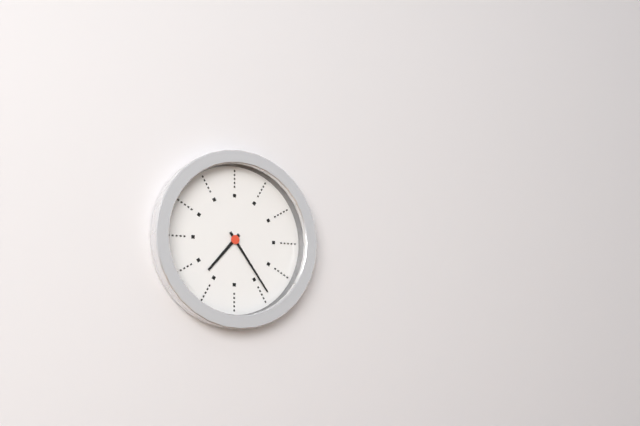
7:24
